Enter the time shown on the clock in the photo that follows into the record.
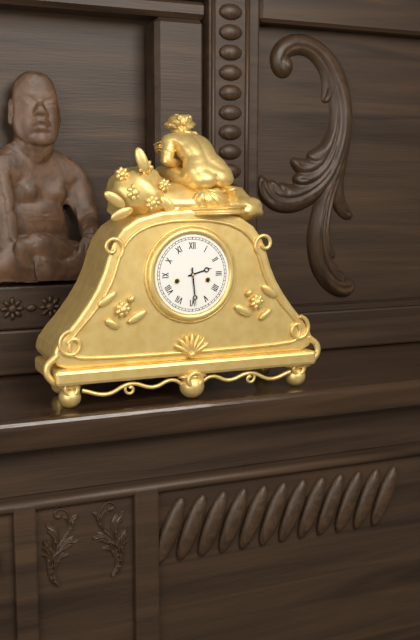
2:29
